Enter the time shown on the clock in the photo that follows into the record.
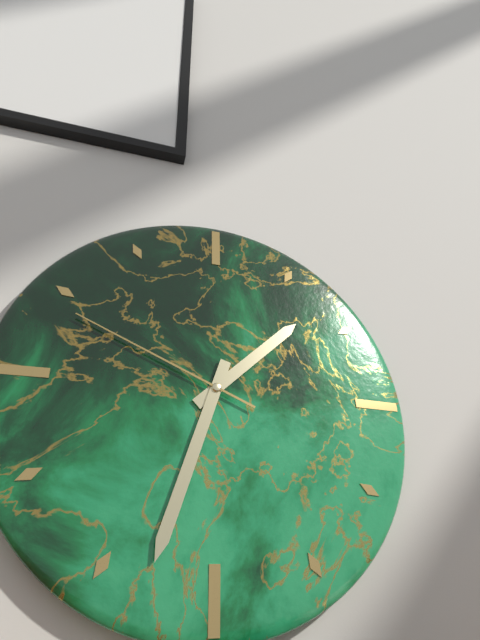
1:33:49
